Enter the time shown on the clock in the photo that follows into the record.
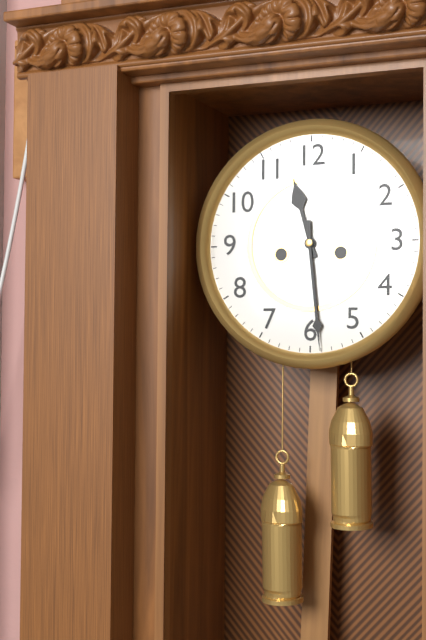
11:29
